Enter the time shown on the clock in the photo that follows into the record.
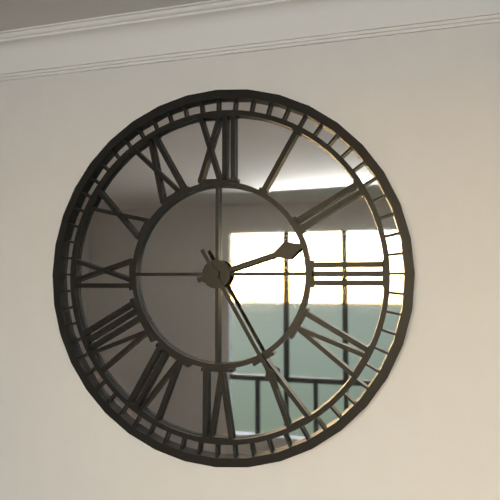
2:25
